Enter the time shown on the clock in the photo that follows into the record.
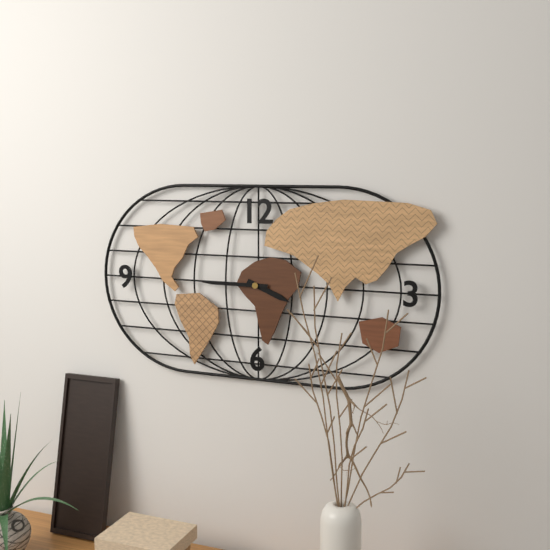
3:45
